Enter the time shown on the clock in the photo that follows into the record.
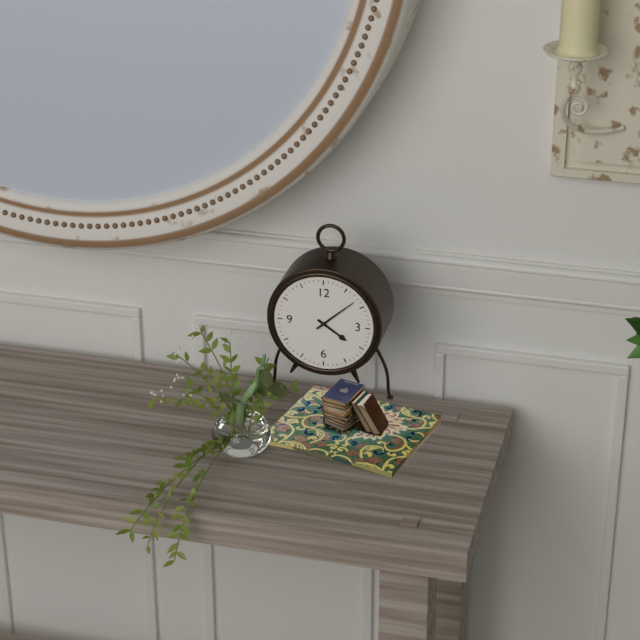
4:08
